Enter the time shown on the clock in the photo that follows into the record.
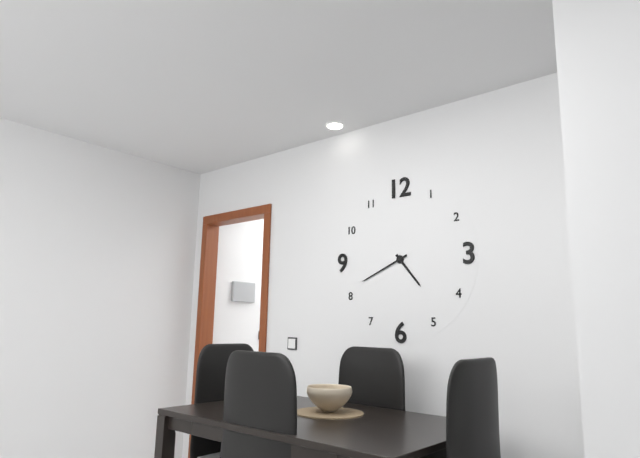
4:41
